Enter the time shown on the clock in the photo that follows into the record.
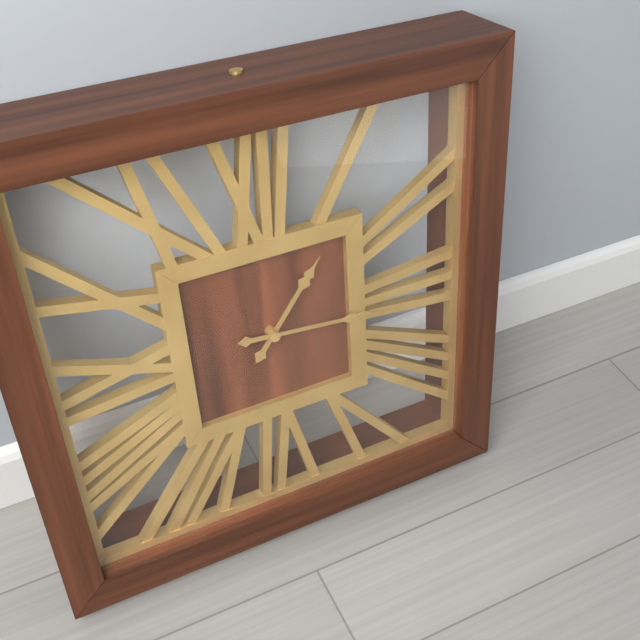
1:16
